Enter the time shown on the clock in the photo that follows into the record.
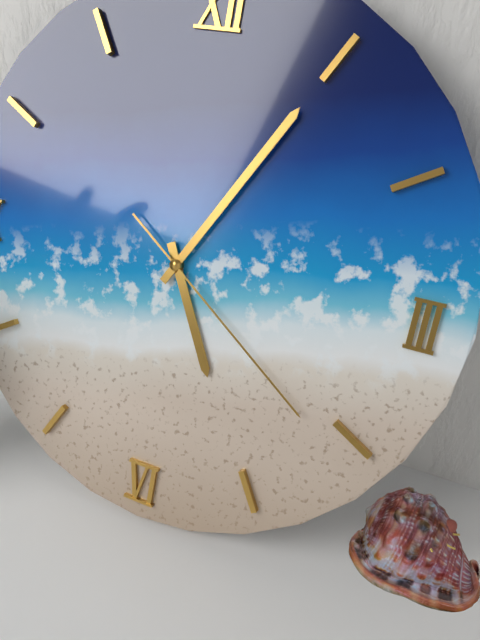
5:05:21
